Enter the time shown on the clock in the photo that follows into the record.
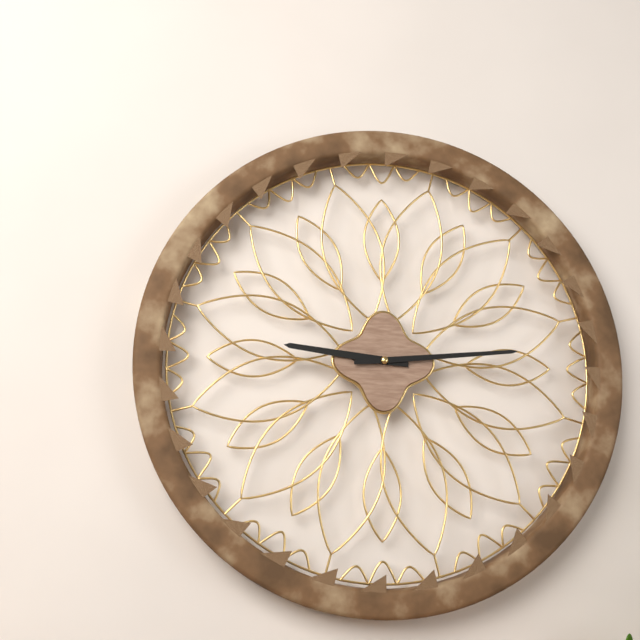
9:14
